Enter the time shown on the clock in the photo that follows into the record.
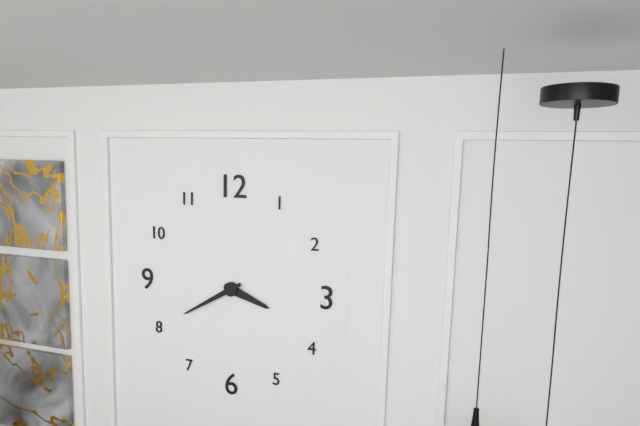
3:40
